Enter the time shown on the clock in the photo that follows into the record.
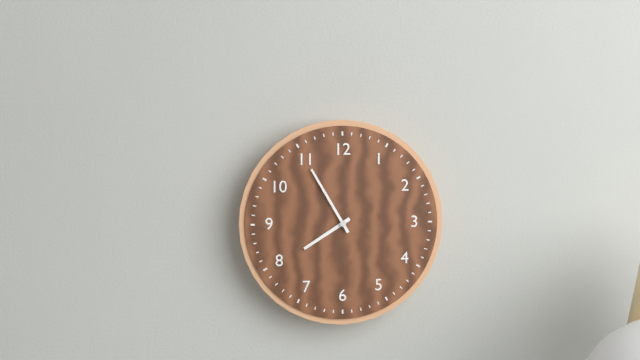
7:55
